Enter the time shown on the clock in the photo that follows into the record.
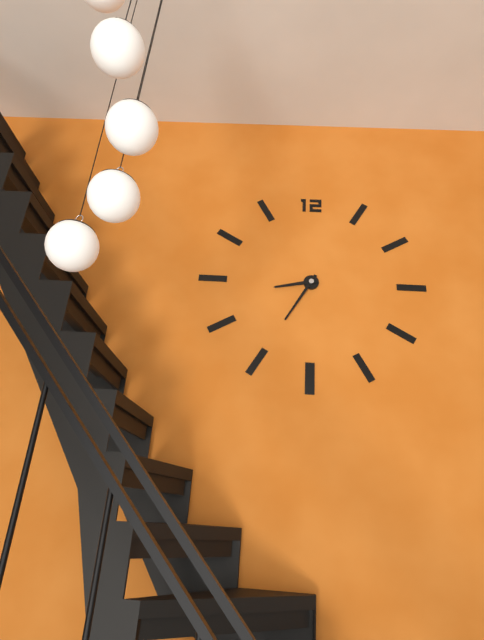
8:35
